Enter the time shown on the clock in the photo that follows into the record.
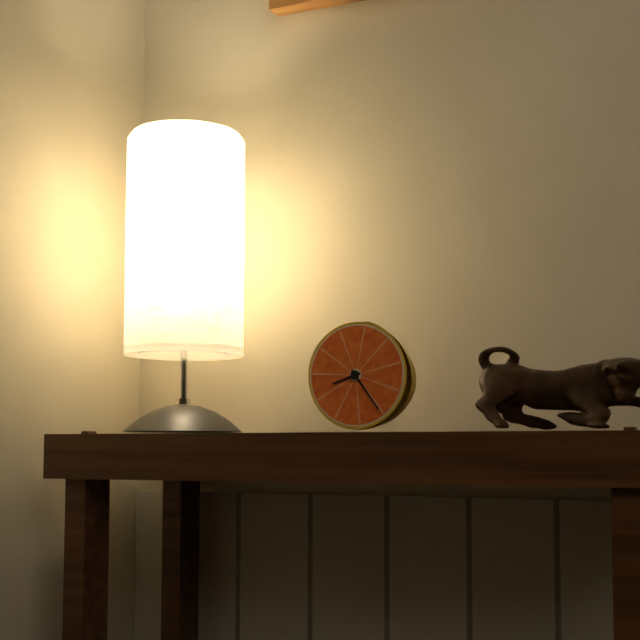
8:24
